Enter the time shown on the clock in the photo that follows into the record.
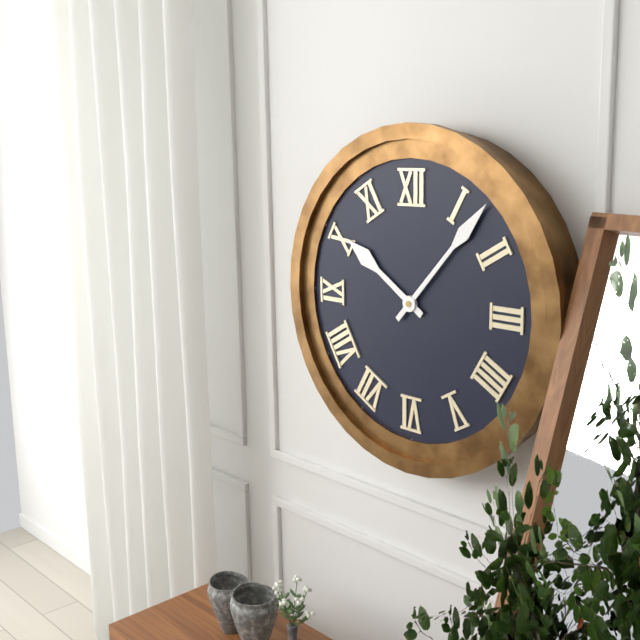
10:07
